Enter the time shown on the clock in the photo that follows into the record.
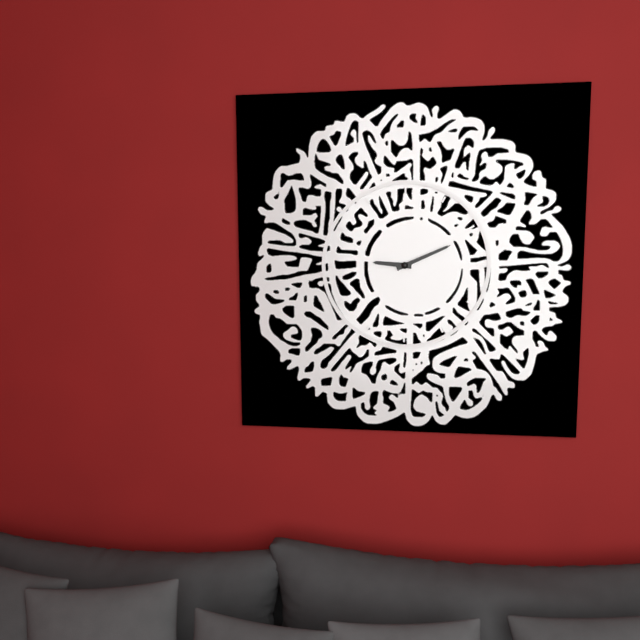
9:11
